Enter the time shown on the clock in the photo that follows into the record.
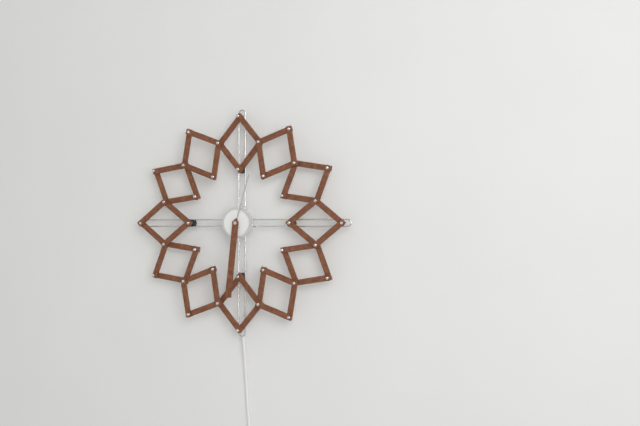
12:31
